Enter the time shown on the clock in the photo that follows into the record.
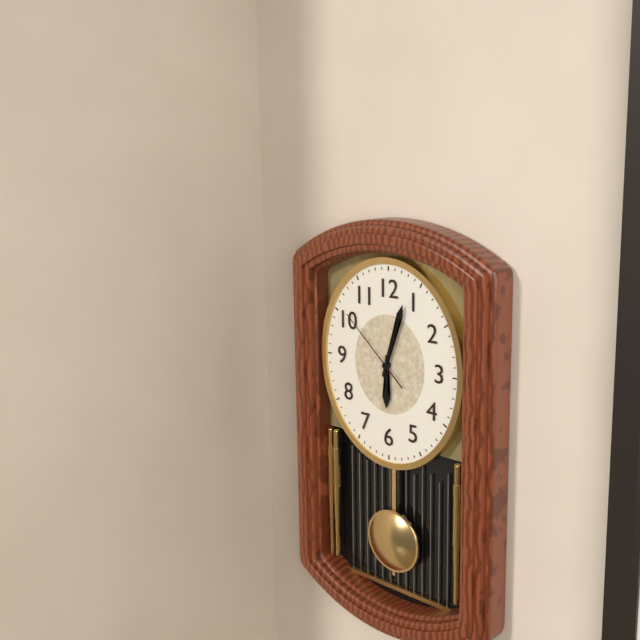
6:03:52
